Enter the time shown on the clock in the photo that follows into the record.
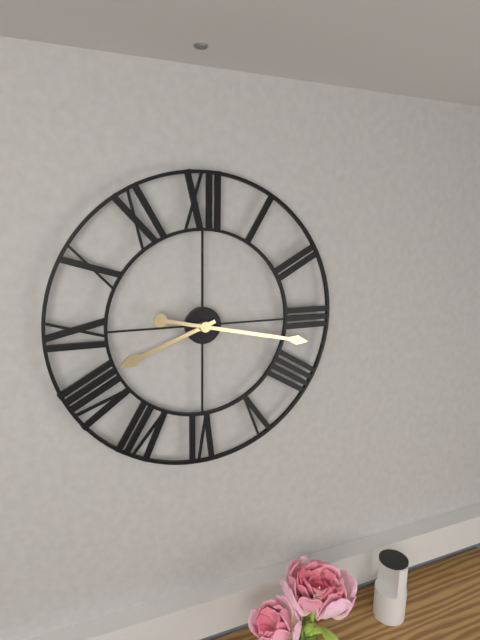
8:17
